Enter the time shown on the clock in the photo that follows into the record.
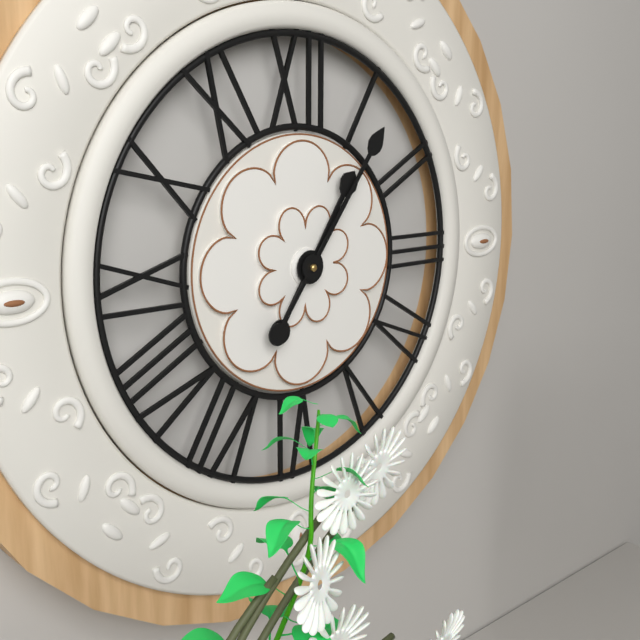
1:06
